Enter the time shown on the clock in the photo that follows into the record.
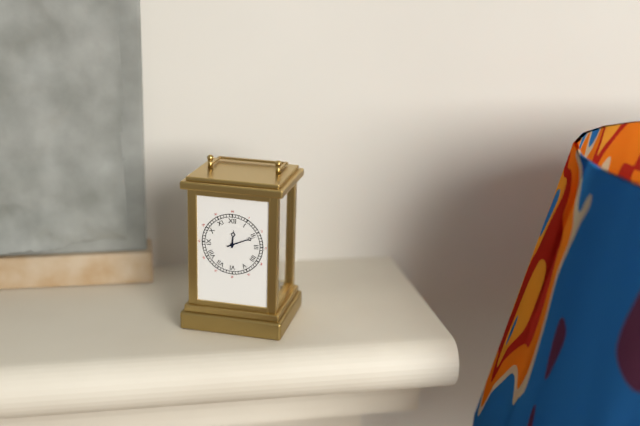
12:11
